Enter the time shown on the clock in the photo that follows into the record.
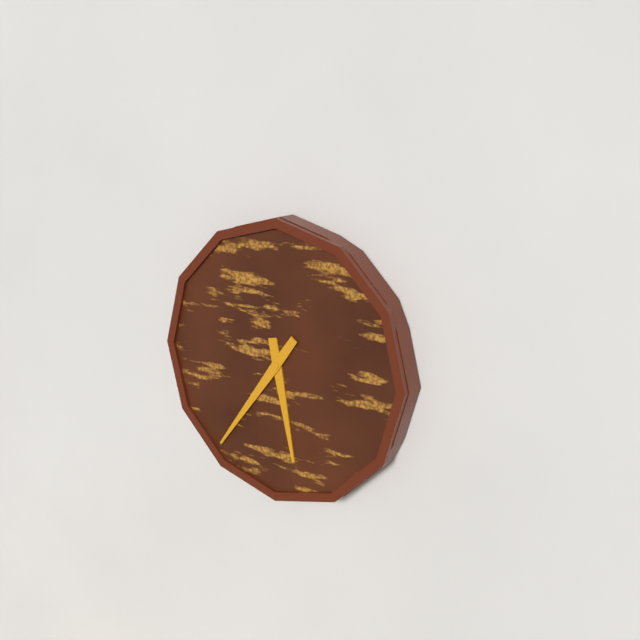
5:36
